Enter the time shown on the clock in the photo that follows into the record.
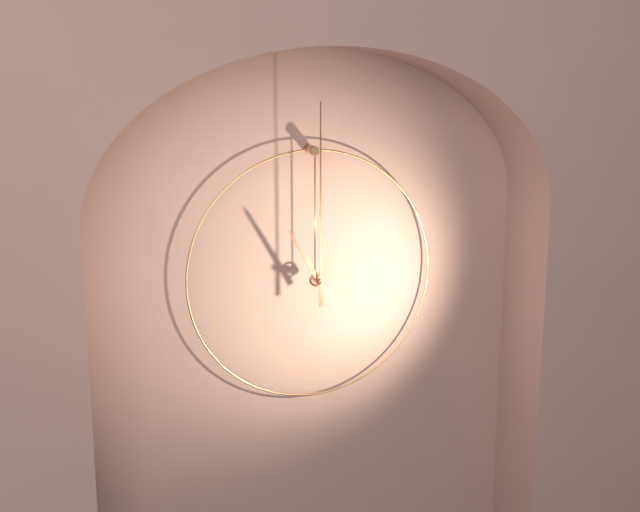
11:00
